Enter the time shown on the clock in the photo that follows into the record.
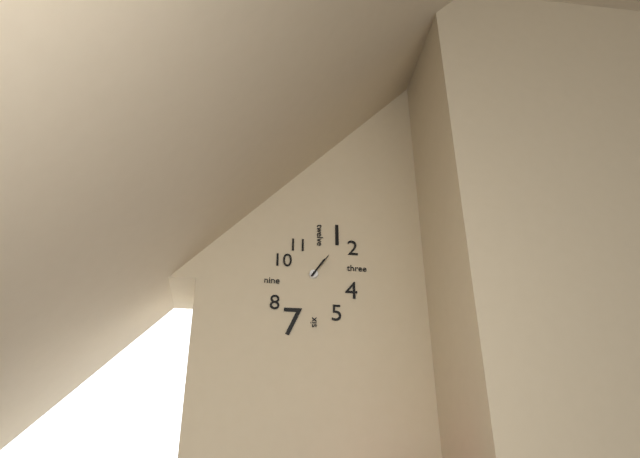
1:06
